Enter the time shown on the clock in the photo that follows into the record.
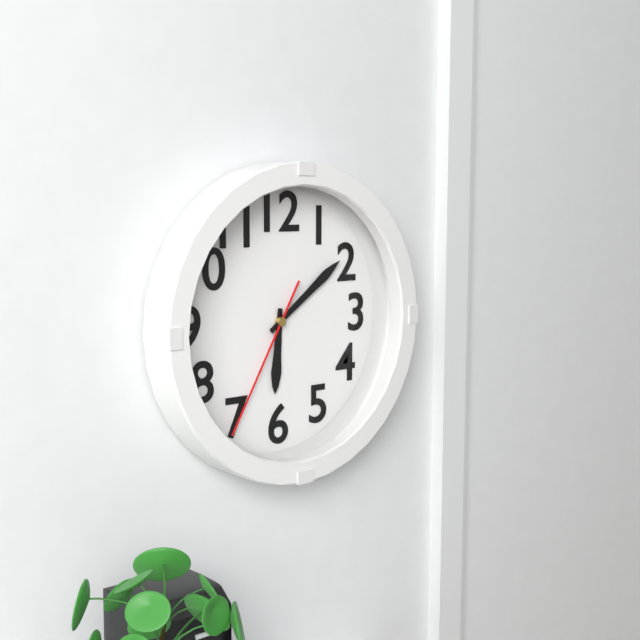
6:09:35
